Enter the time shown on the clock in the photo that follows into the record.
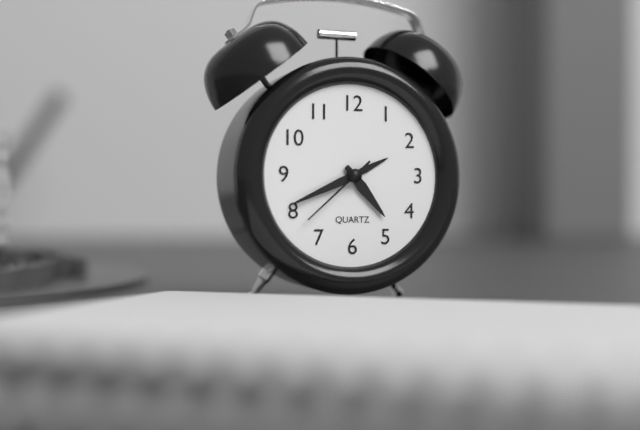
4:41:38
